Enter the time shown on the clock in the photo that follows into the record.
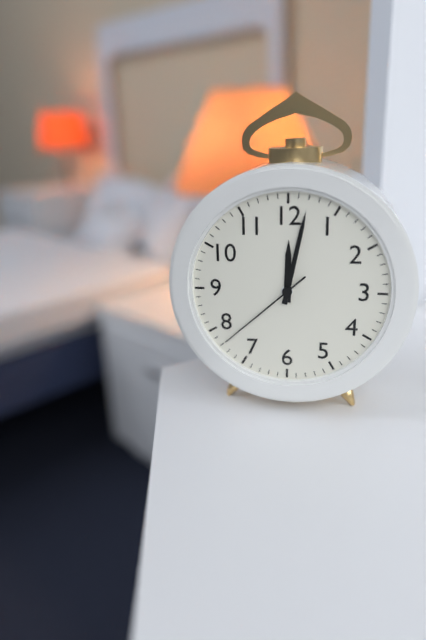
12:02:38
